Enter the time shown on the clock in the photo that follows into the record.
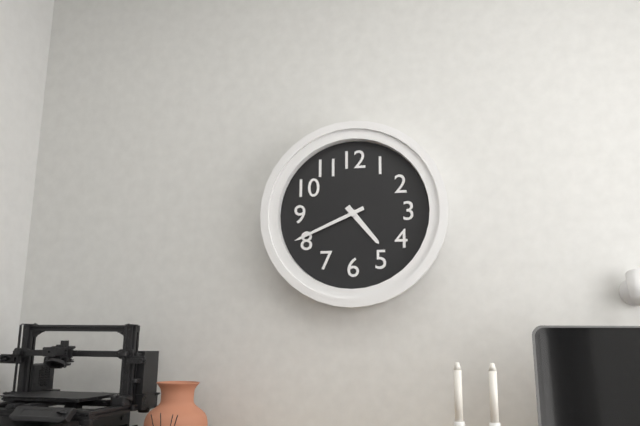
4:41
